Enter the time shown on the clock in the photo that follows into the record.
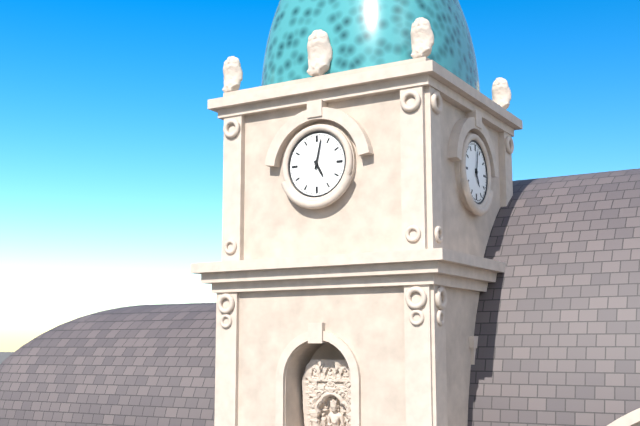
5:02
